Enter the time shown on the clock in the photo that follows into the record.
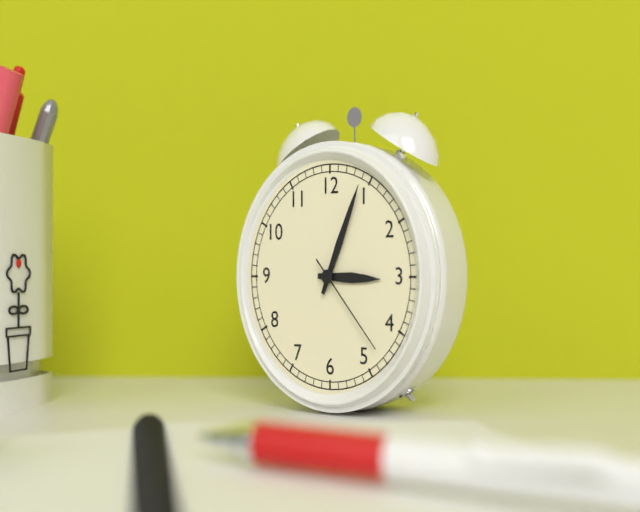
3:04:23
